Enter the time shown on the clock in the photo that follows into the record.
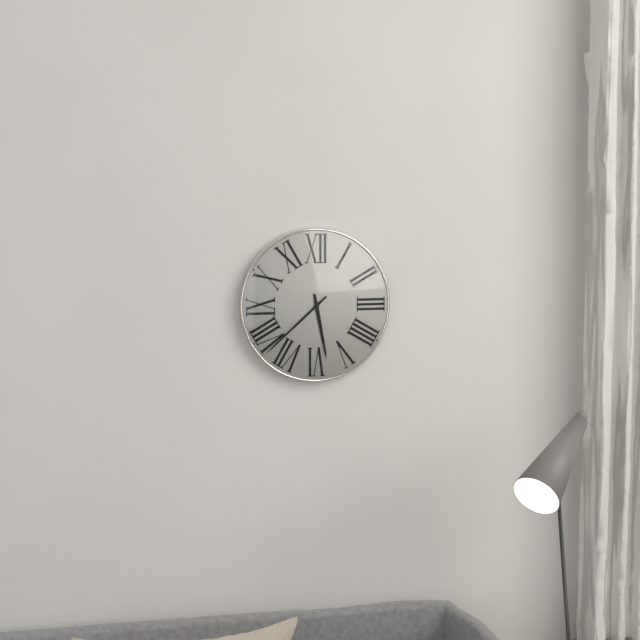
5:38
